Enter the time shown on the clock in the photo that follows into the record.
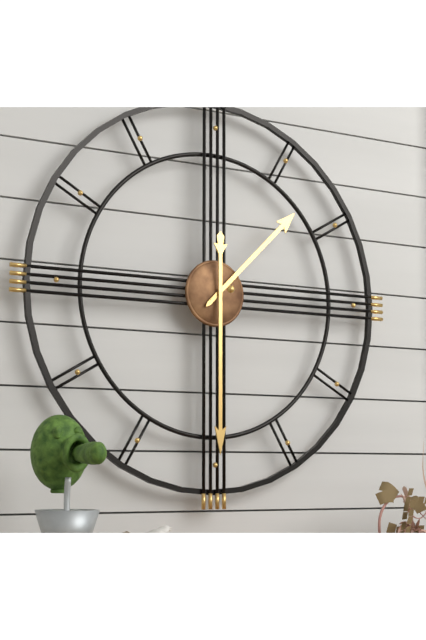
1:30
